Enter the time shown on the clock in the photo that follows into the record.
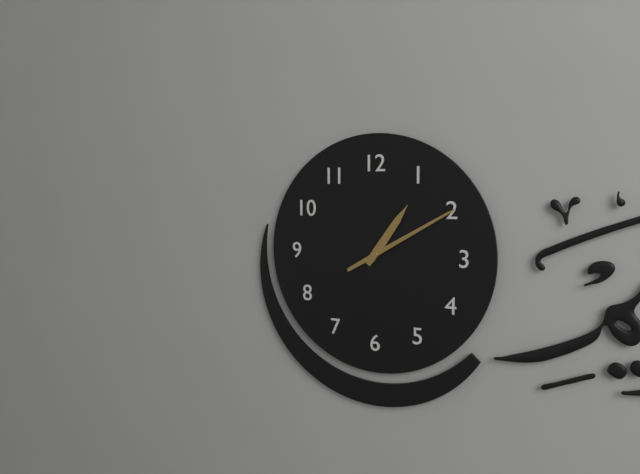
1:10
